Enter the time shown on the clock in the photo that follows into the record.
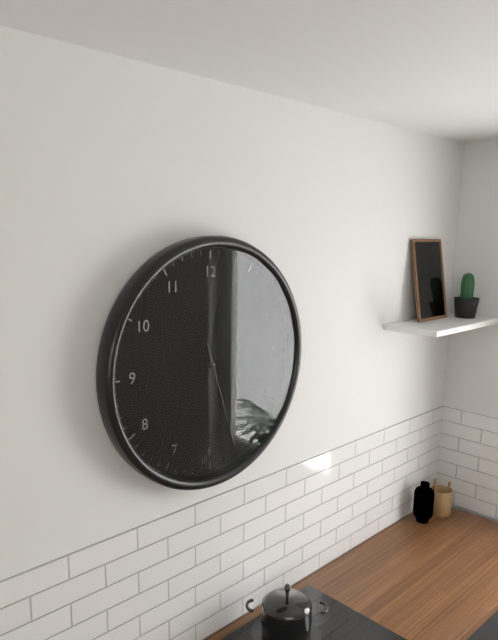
12:20:27
